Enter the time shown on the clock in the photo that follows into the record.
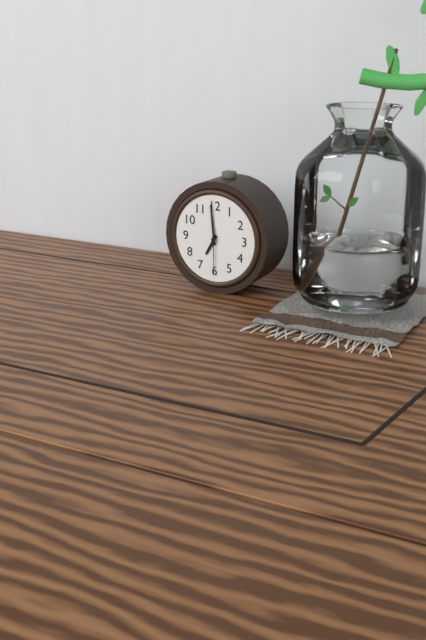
6:59
